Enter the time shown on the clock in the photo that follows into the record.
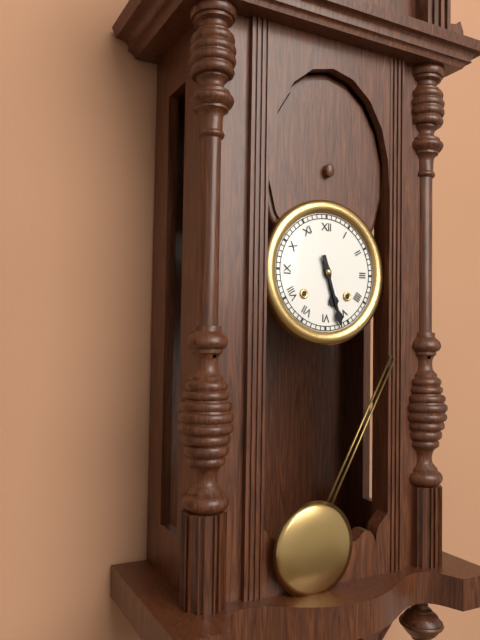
5:27
